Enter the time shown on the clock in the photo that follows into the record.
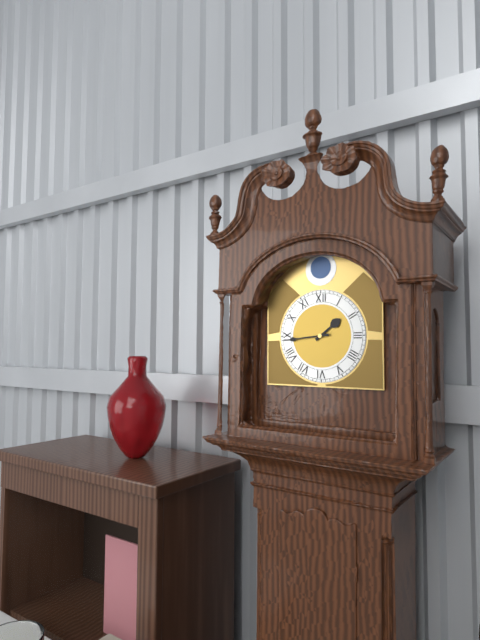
1:44
